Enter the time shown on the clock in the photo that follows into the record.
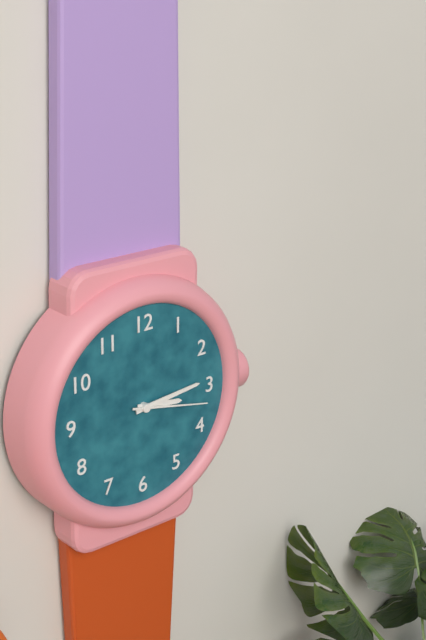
3:14:17
